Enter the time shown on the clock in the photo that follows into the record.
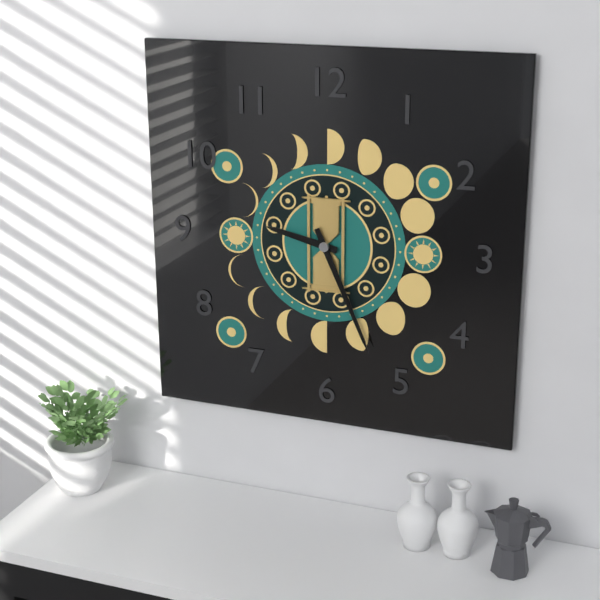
9:26
